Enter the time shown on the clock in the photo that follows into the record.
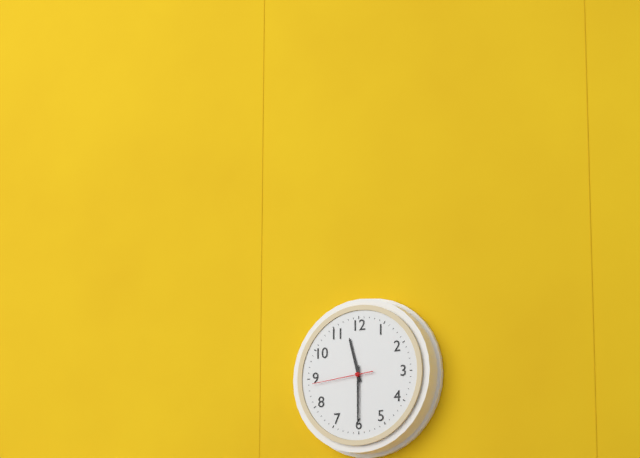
11:30:44
